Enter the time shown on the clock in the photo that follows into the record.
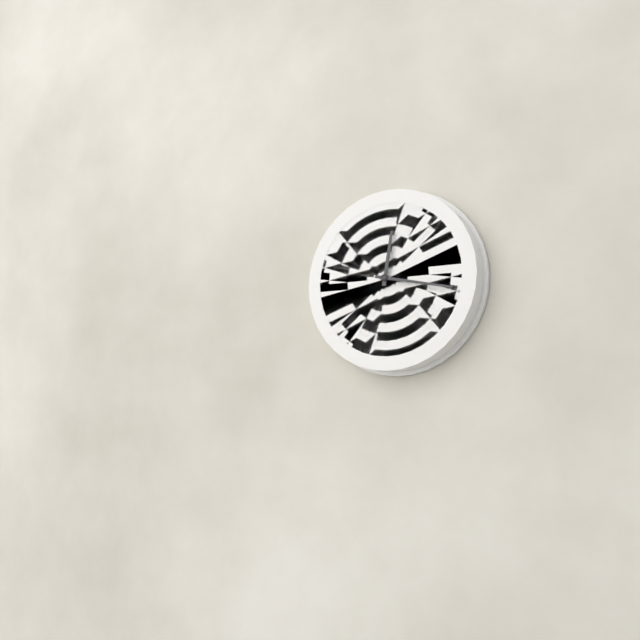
12:17
